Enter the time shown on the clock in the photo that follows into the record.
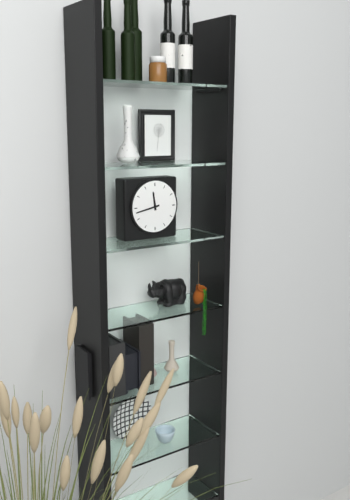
11:43
